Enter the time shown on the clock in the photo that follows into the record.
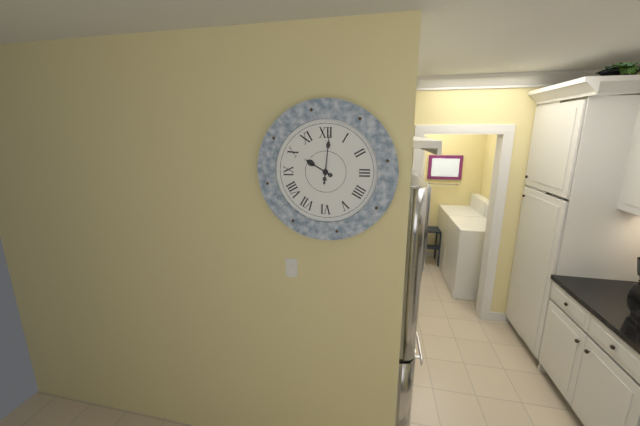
10:01
